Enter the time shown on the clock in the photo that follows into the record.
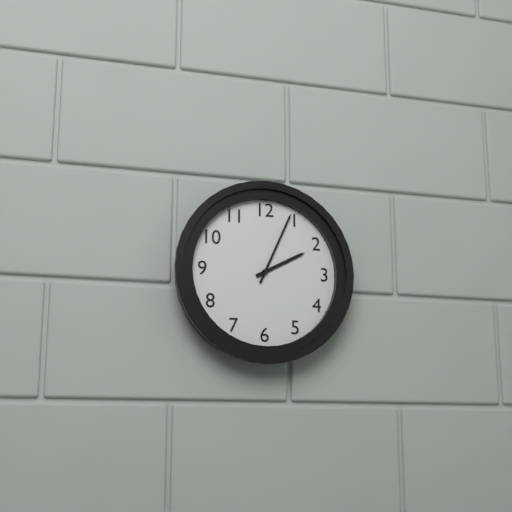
2:04
